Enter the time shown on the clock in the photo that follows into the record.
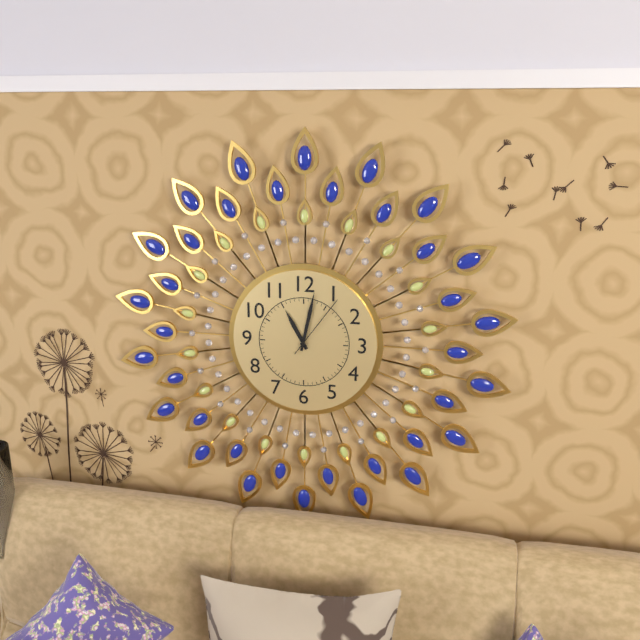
11:02:06
